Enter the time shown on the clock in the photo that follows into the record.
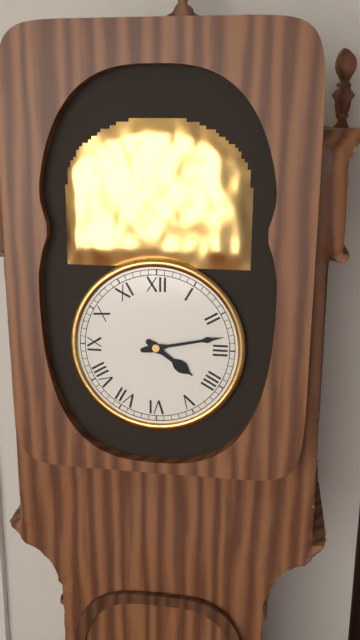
4:13
